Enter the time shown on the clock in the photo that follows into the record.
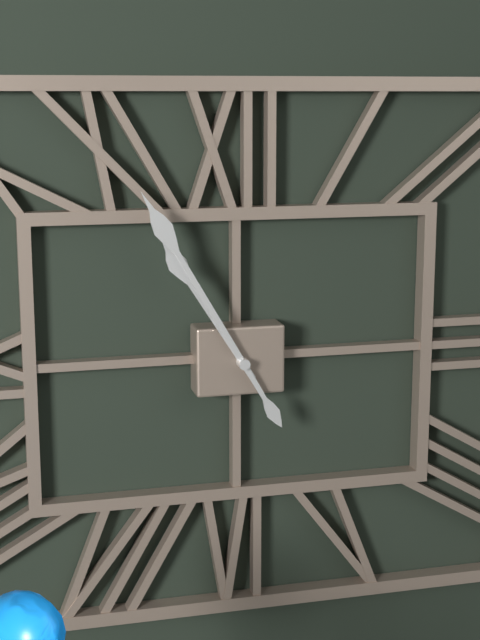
10:55
